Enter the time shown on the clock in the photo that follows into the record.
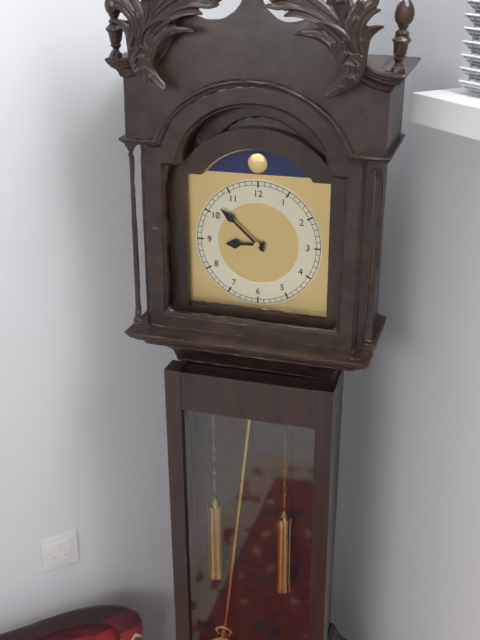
8:52
